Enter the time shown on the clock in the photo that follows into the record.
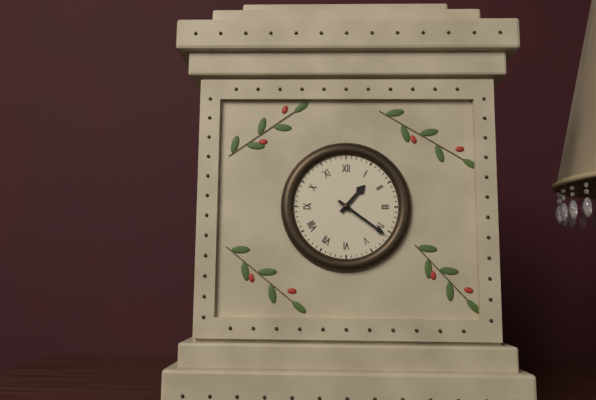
1:21
